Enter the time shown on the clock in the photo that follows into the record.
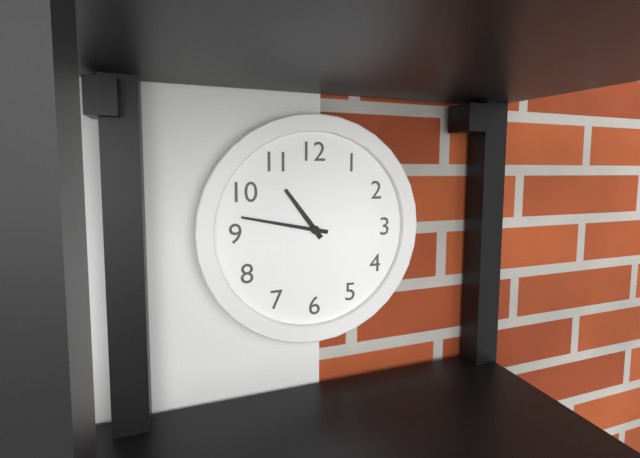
10:47
